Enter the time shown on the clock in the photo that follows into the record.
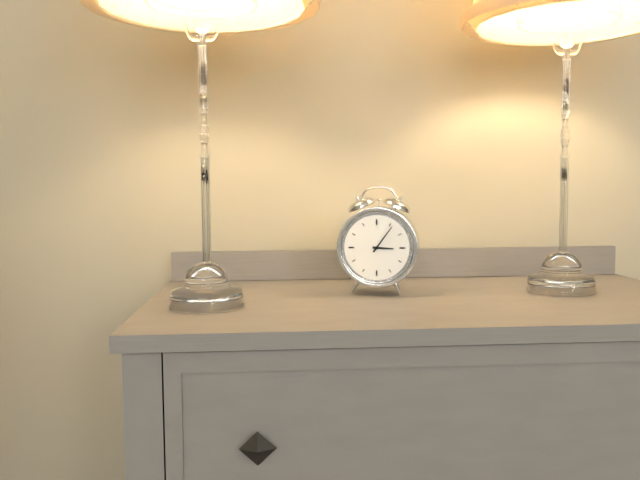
3:06
